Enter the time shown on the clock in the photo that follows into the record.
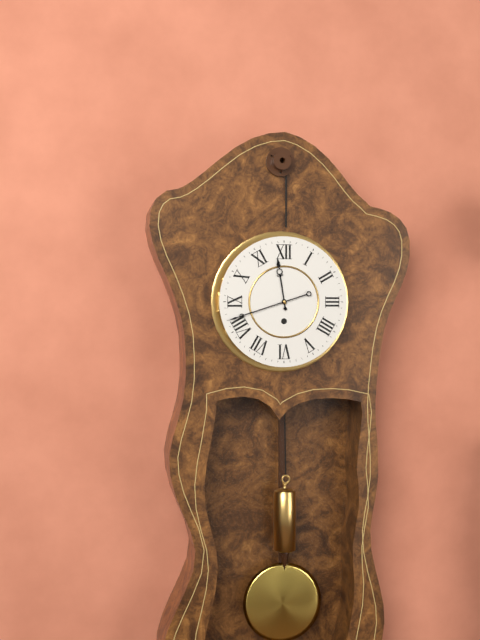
11:42
